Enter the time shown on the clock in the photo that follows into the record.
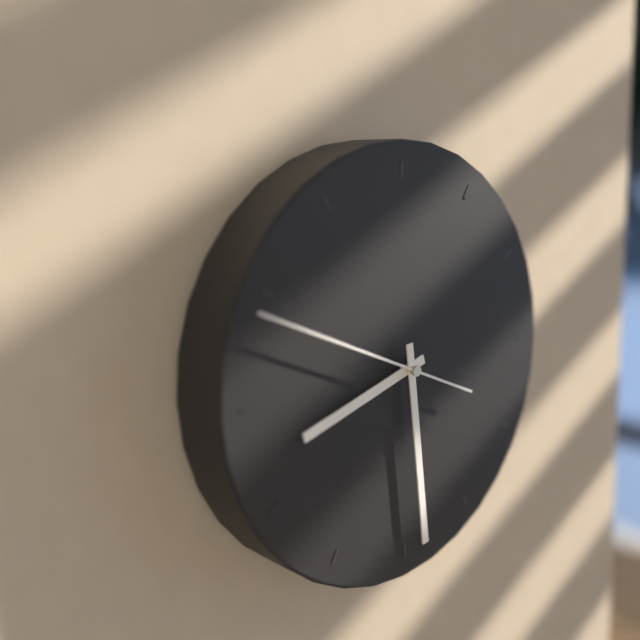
8:29:49
